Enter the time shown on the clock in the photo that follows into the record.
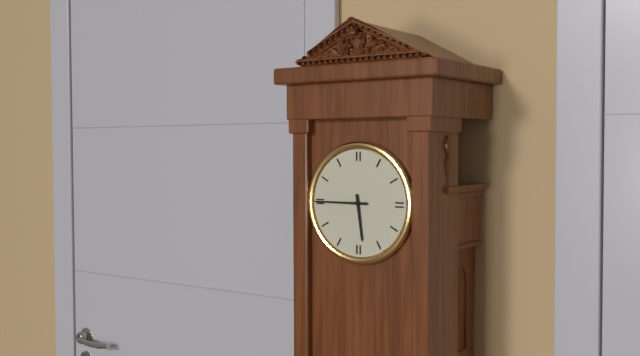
5:45
